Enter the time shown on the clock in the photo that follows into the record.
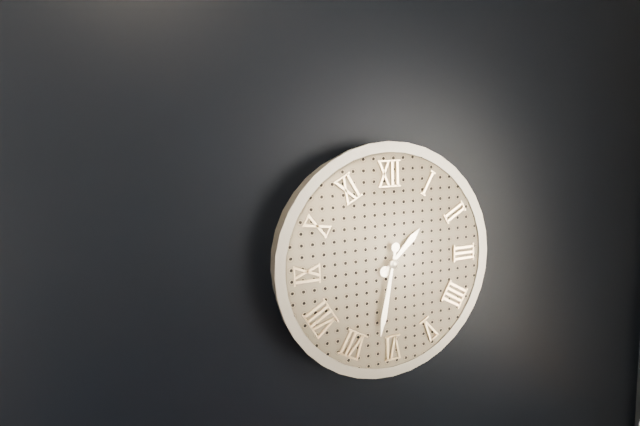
1:32
